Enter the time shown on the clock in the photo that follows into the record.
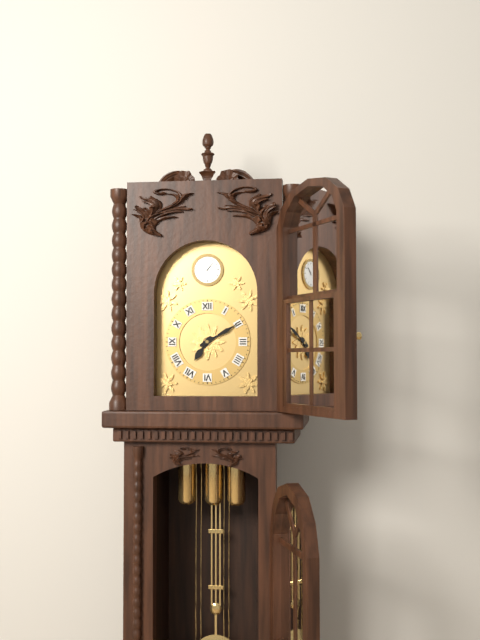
7:10
